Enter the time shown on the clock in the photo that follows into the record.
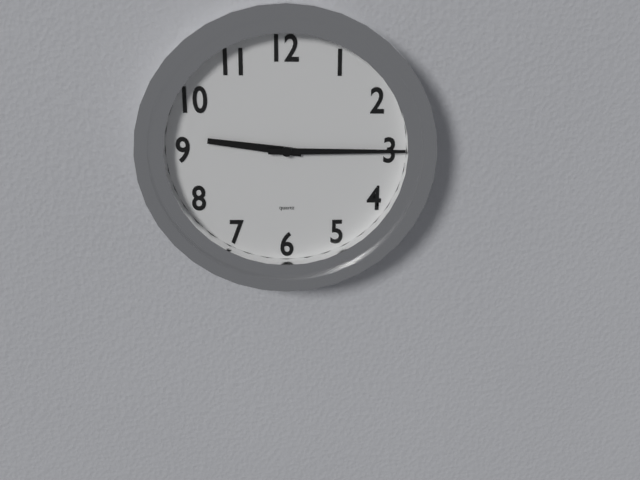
9:15
